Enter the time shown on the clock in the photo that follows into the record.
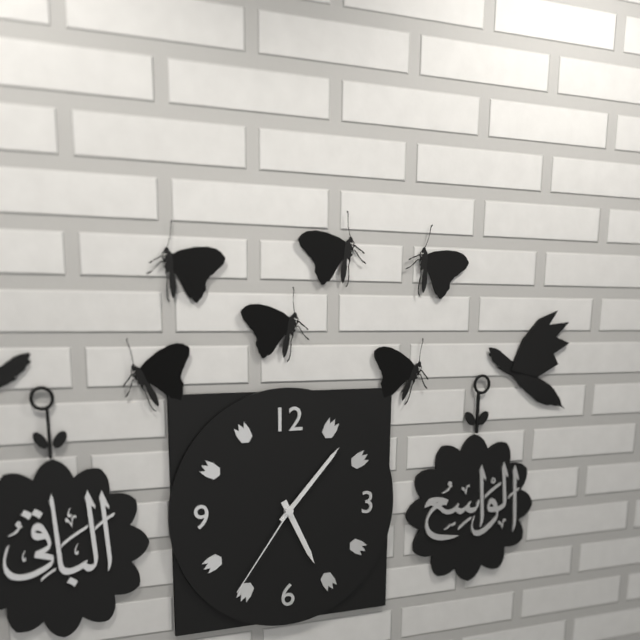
5:07:36
